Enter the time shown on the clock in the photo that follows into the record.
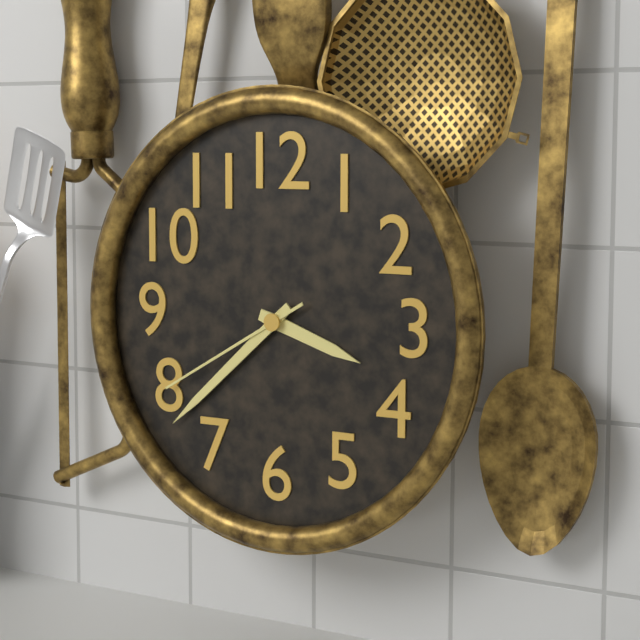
3:38:40
